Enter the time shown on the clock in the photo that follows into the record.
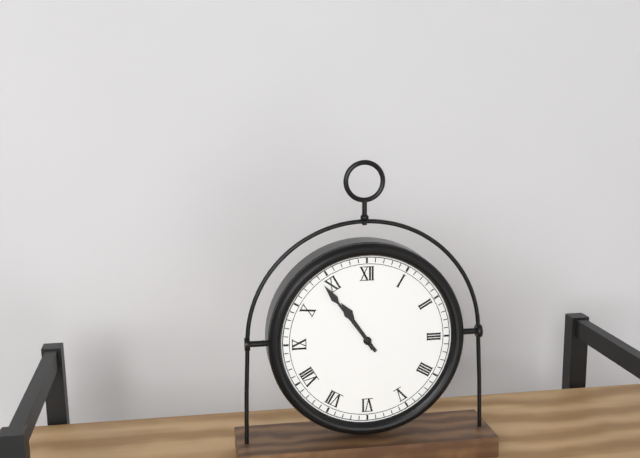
10:54
